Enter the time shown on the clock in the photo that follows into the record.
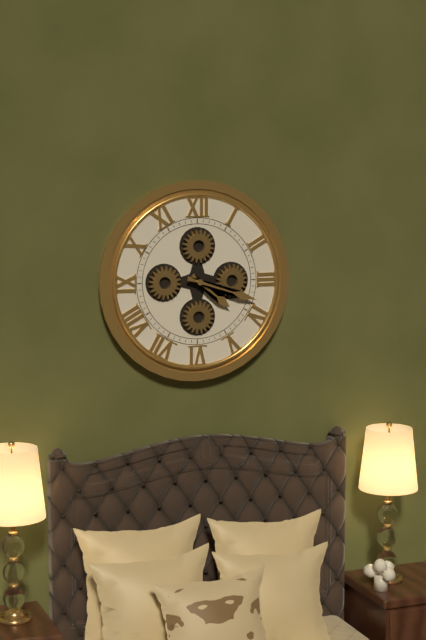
4:18
